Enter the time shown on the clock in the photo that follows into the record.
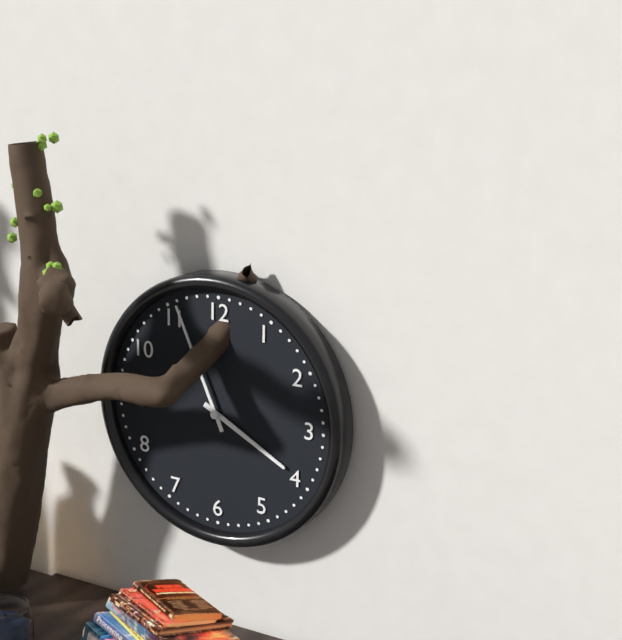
3:56
